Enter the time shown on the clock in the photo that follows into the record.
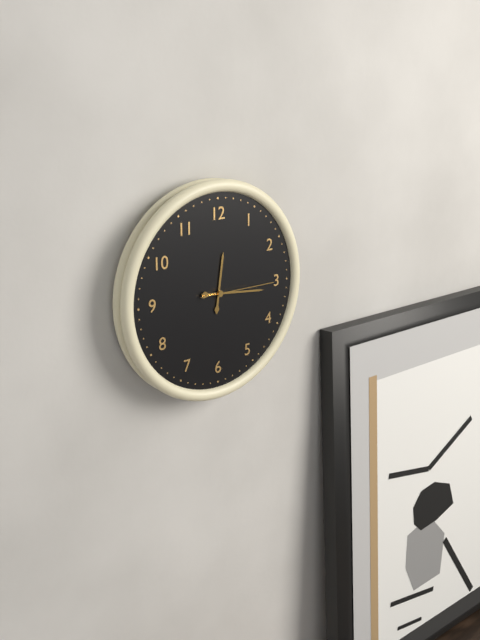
12:16:15
